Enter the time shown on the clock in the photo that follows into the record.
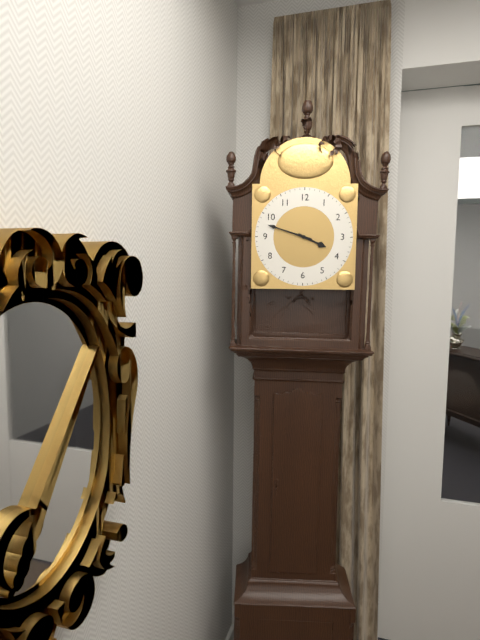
3:48
